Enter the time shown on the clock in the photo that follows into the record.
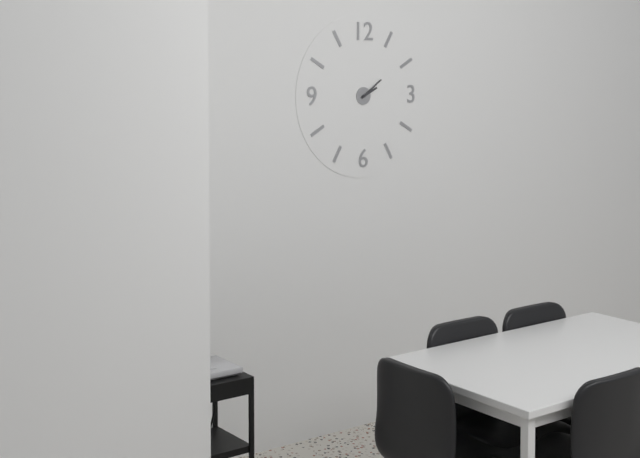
2:09
